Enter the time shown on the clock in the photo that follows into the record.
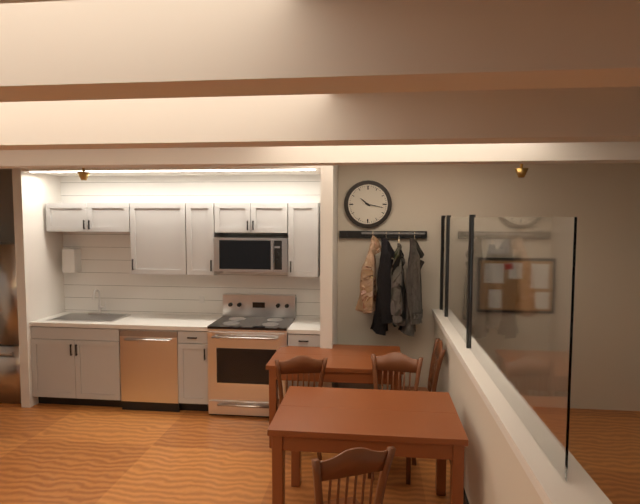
10:17
